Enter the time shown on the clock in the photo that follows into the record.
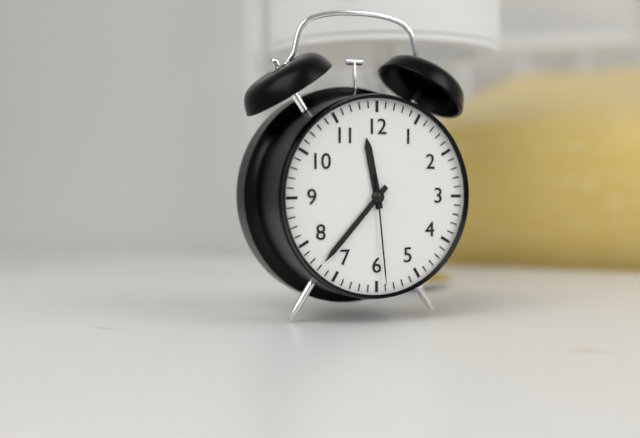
11:37:29
